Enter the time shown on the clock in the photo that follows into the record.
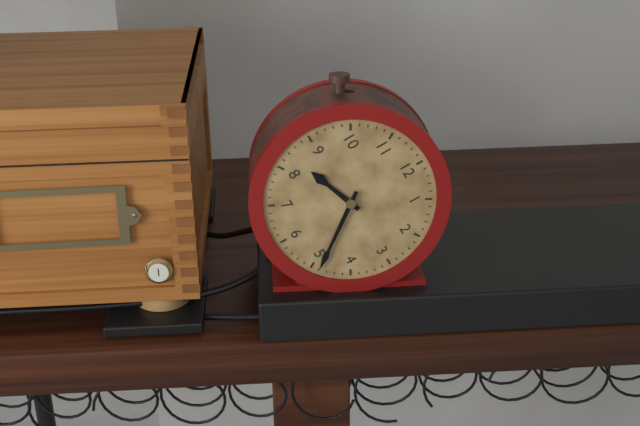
8:24
